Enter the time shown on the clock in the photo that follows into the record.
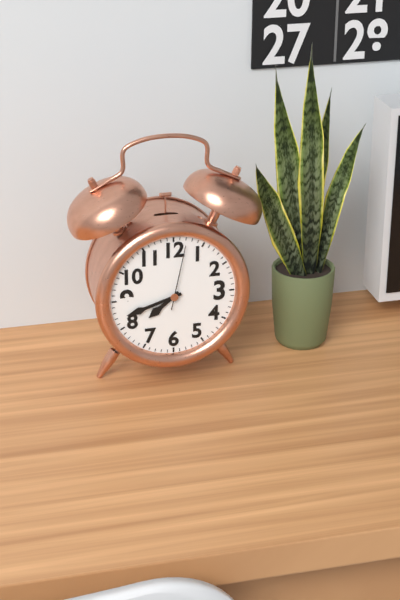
7:42:02
